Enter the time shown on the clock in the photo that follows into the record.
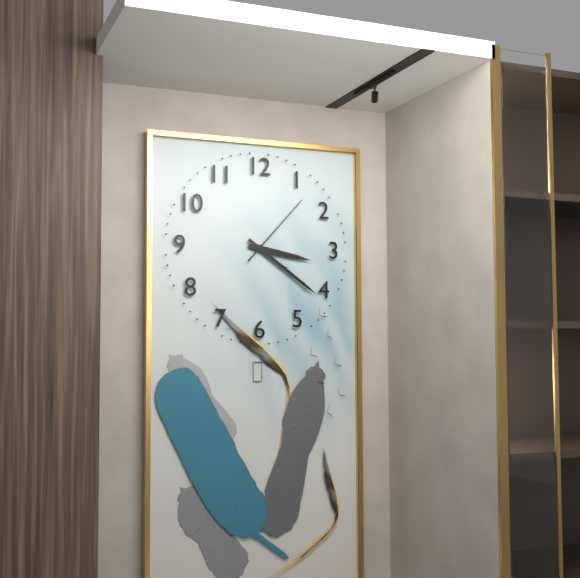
3:21:07
